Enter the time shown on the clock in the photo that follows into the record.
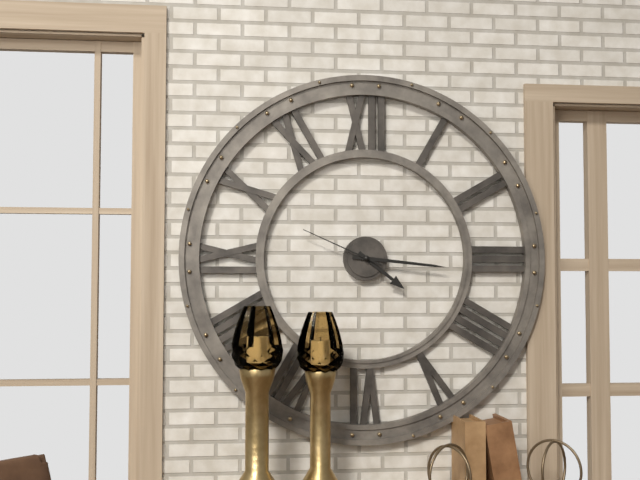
4:16:49
